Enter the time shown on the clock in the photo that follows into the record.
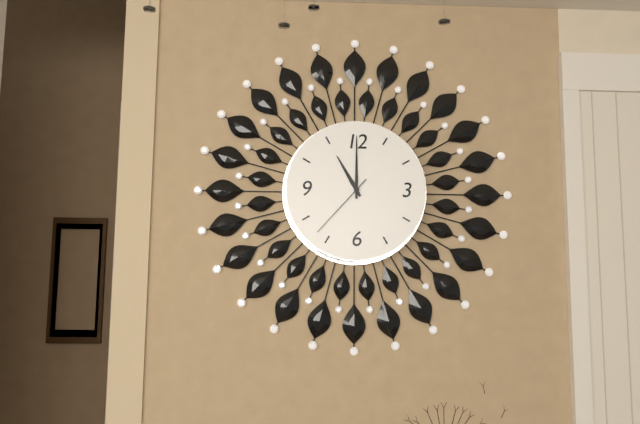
11:00:37
